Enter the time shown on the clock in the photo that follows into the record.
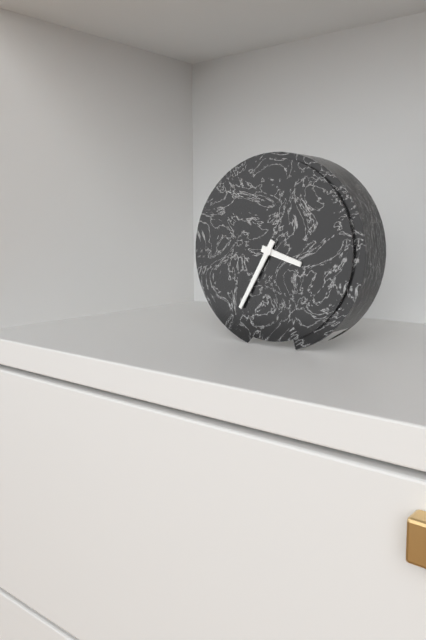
3:35
